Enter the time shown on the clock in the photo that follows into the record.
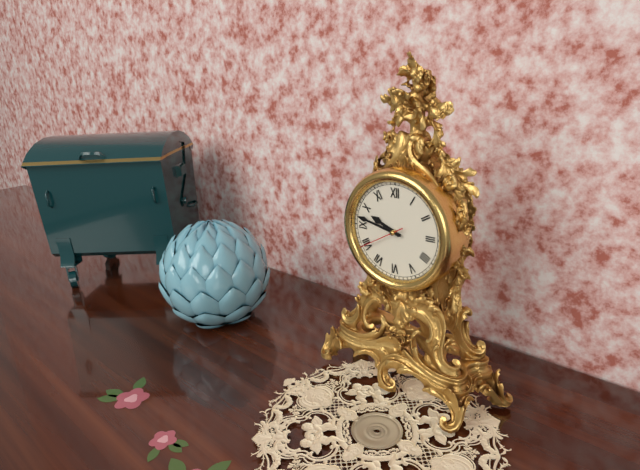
9:47
